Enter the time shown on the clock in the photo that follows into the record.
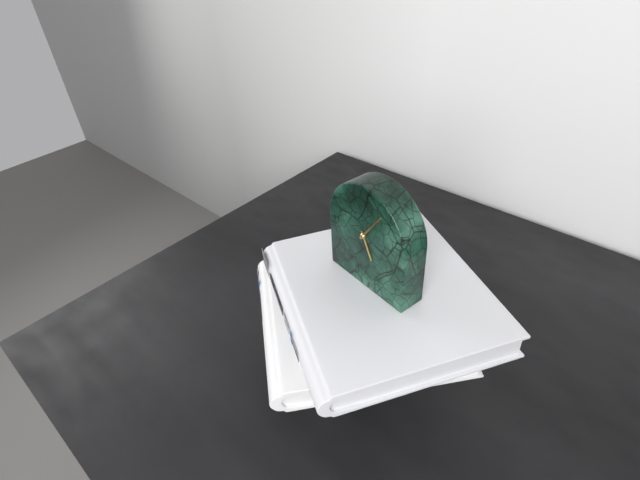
5:06
